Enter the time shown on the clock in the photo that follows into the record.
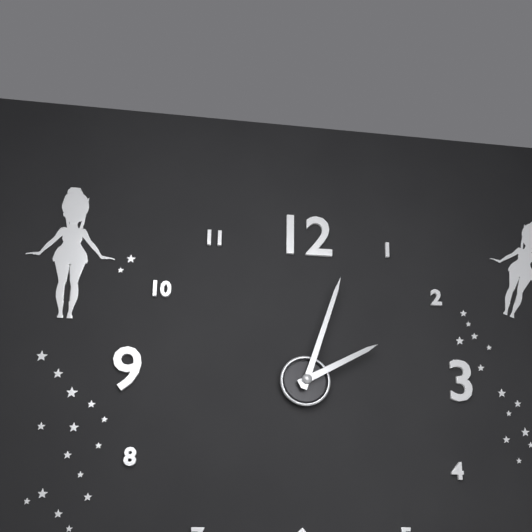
2:03
